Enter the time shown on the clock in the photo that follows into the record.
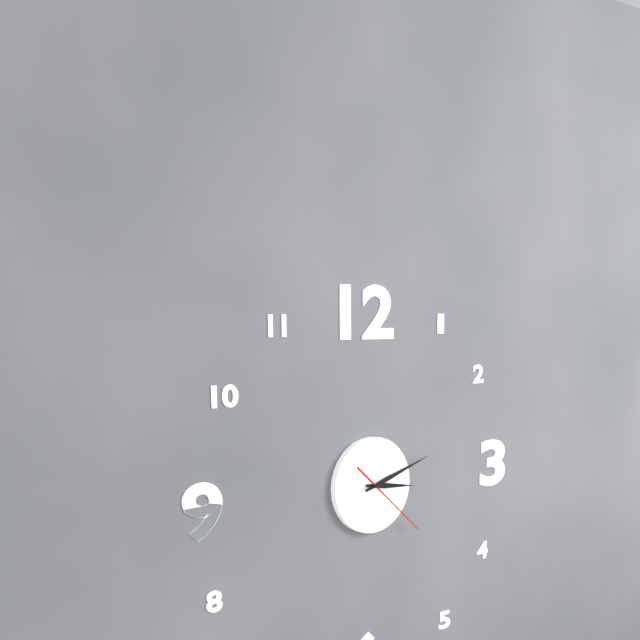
3:12:22
